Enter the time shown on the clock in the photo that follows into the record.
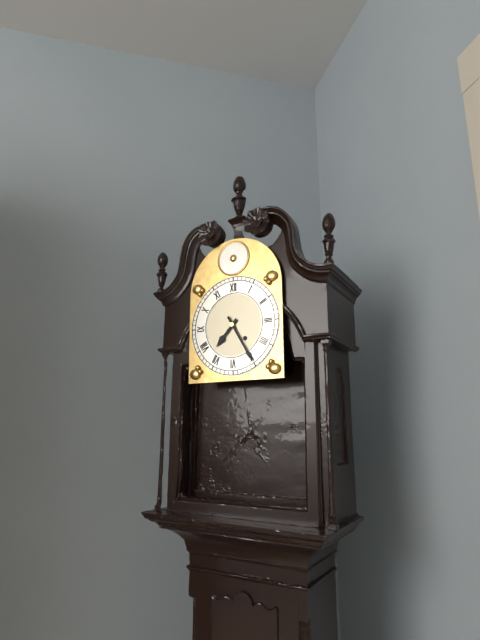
7:25
